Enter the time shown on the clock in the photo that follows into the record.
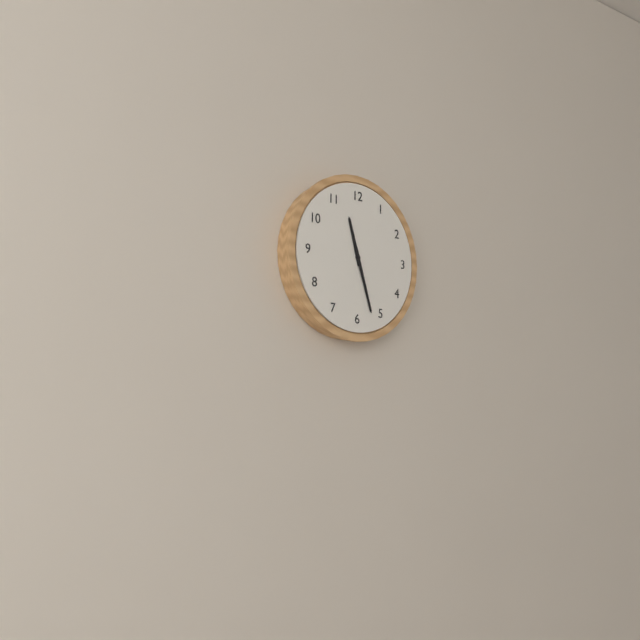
11:27
